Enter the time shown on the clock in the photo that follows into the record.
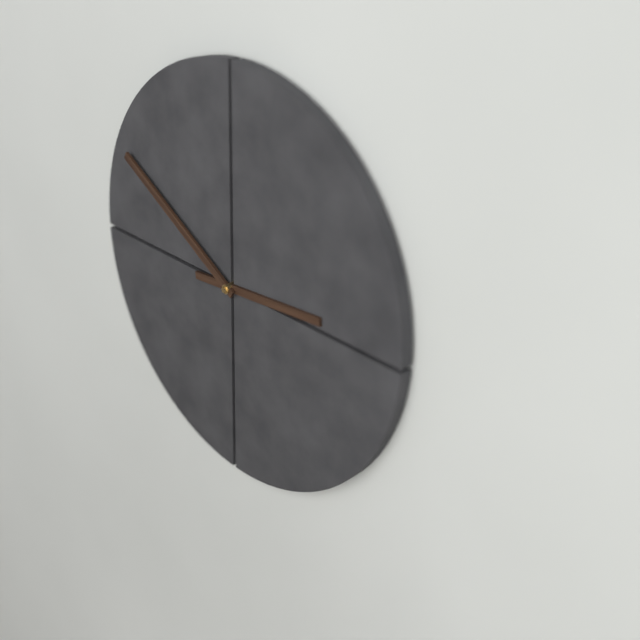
2:50
